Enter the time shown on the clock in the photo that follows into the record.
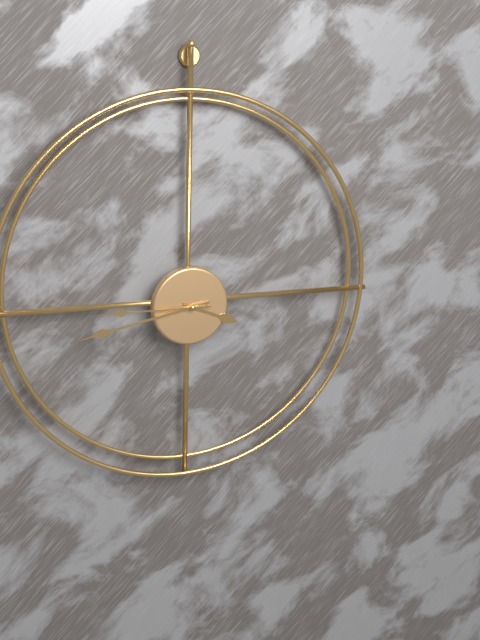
3:43:45
